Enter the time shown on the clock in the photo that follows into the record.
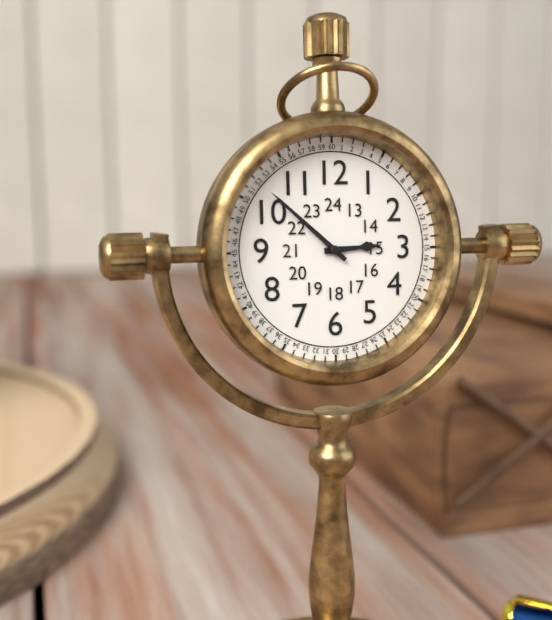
2:52
